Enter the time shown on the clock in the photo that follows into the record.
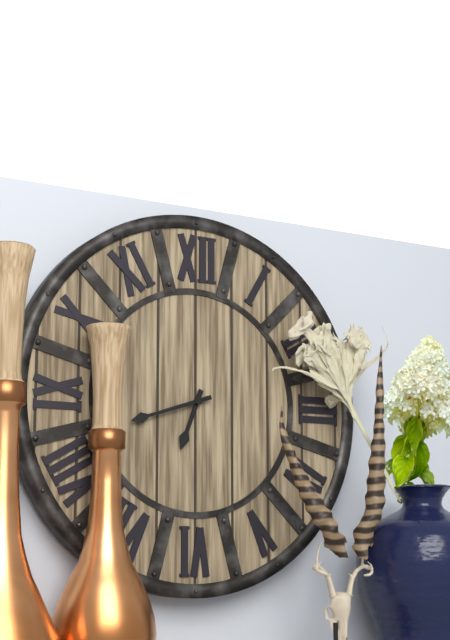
6:42
